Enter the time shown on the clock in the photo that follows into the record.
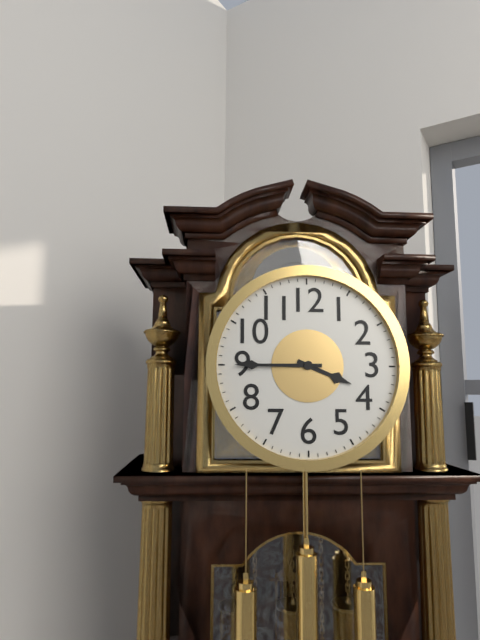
3:45
